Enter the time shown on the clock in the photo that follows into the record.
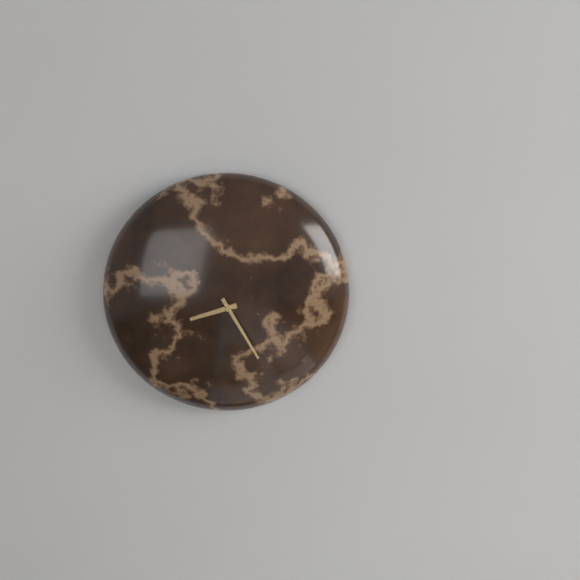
8:25
